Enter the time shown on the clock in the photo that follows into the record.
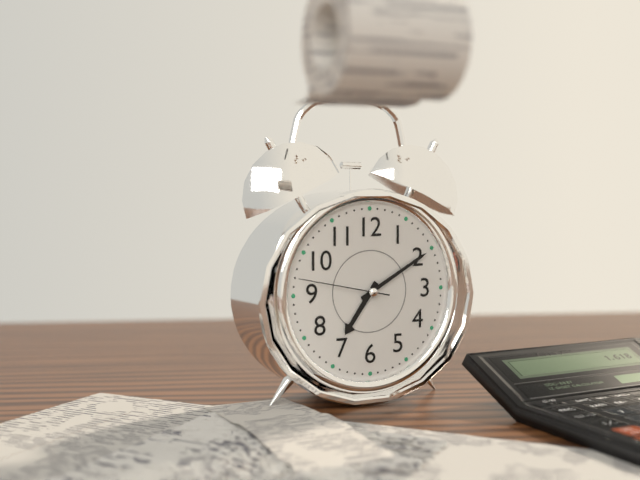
7:10:47
